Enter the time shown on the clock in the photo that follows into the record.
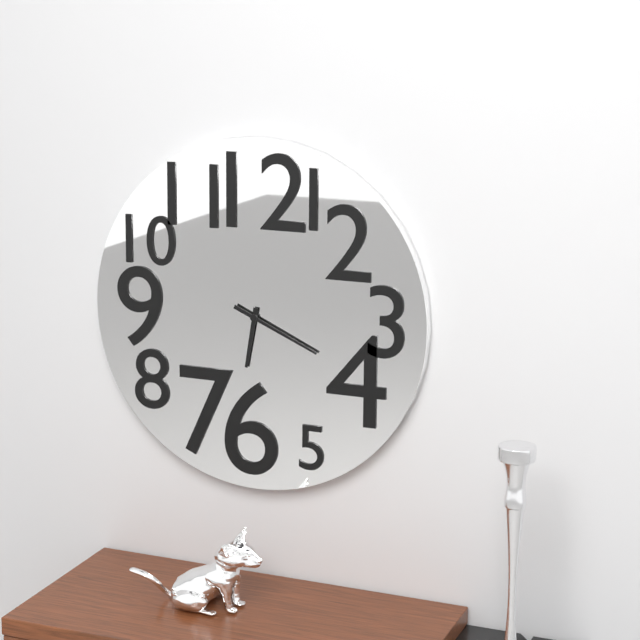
6:19
